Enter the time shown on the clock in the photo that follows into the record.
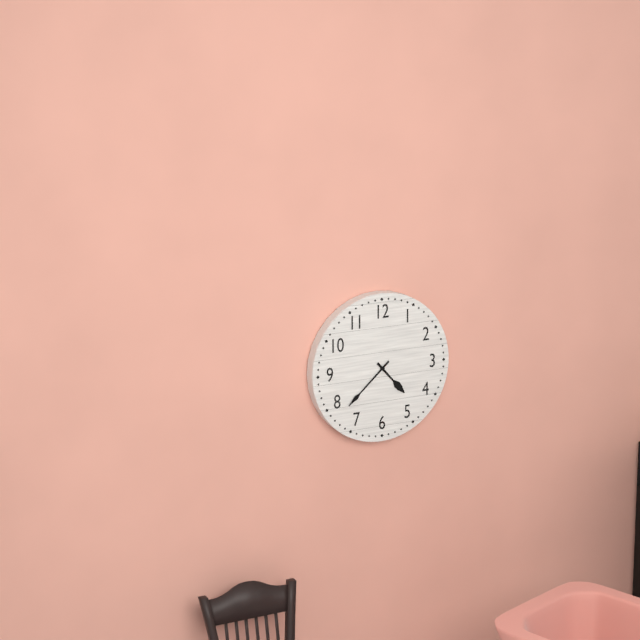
4:38
